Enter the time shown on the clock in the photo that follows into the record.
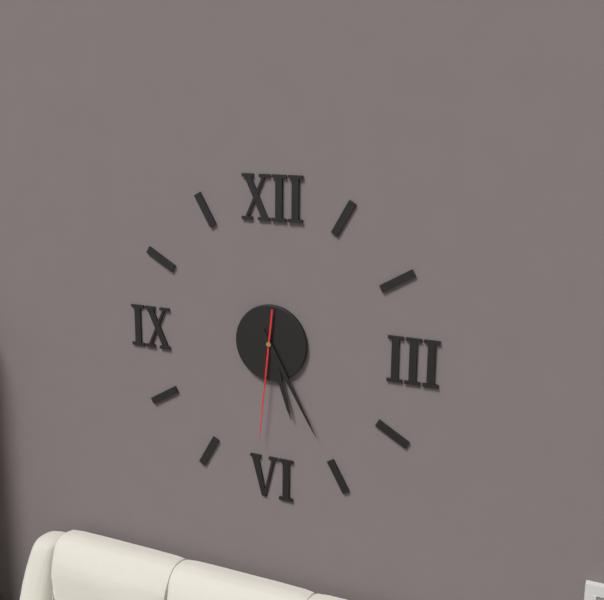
5:25:31
